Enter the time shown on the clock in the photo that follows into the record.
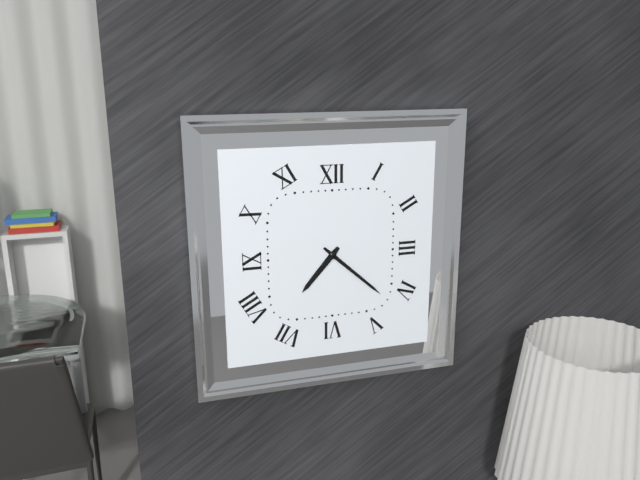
7:22
